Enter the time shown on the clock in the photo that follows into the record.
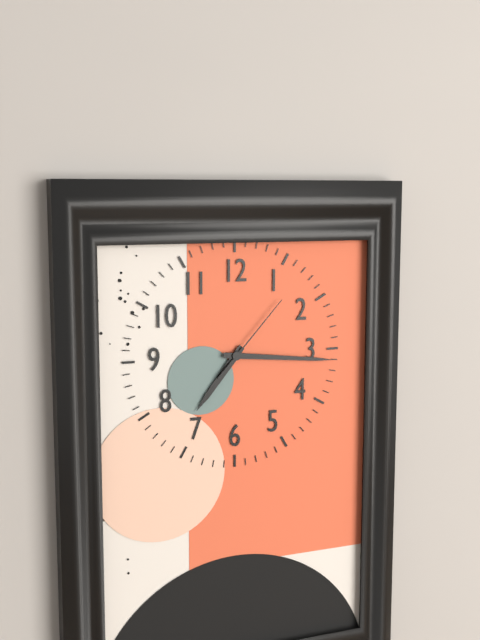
7:16:07
